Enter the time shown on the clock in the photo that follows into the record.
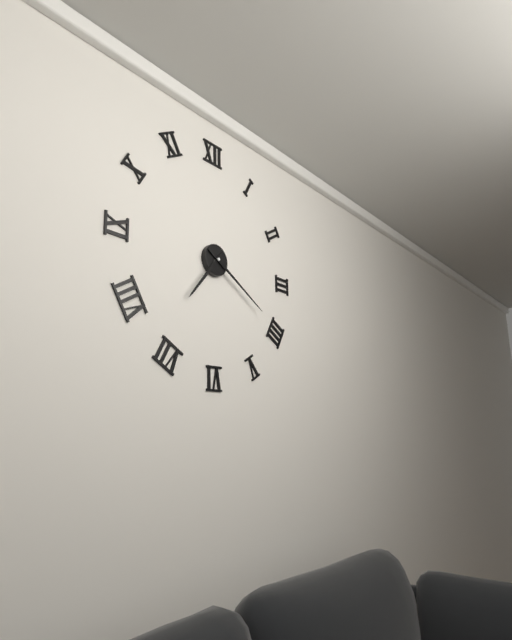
7:20
